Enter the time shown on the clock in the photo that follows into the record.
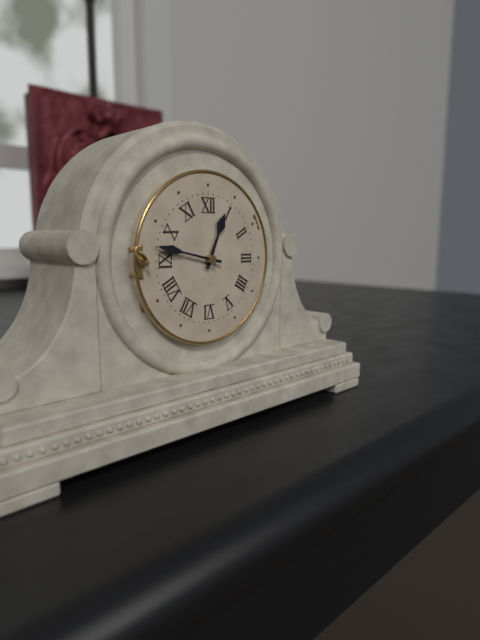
12:47
